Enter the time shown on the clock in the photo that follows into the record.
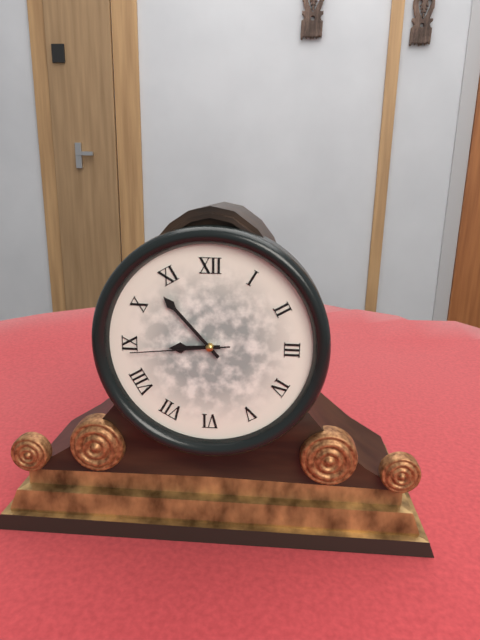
8:53:44
